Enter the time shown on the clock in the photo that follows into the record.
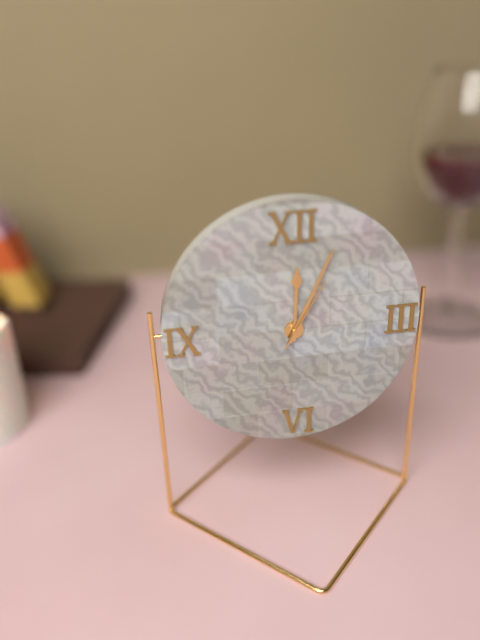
12:04:05
